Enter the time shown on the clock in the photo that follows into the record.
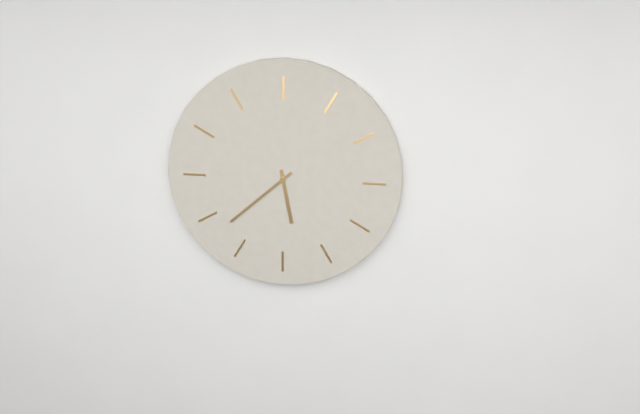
5:38
